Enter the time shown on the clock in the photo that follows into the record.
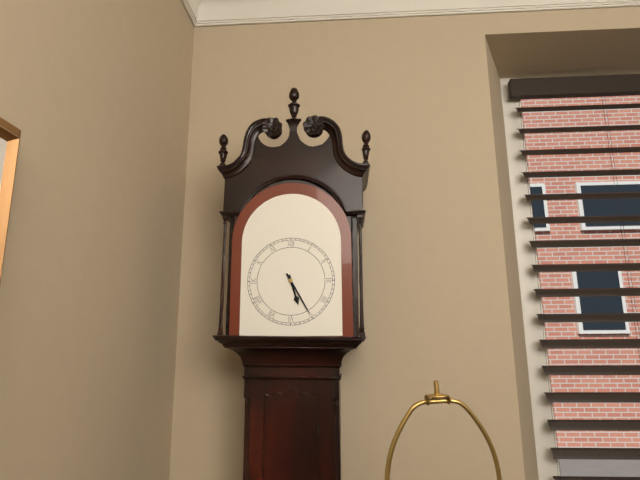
5:25
